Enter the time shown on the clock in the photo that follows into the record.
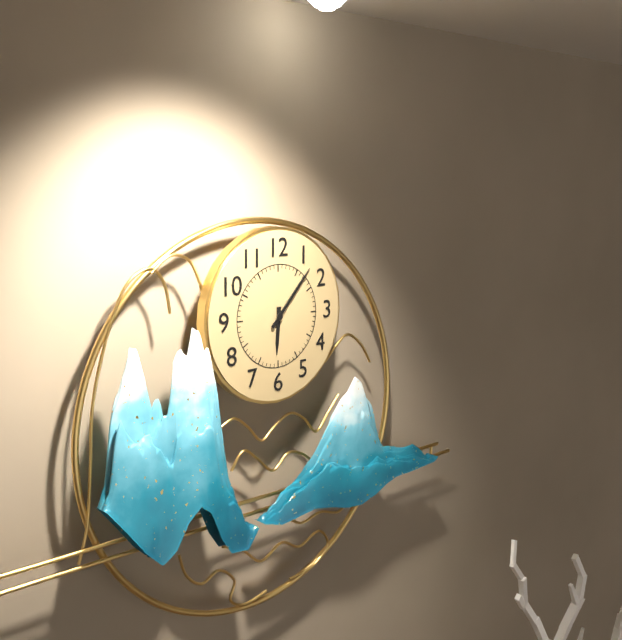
6:07
